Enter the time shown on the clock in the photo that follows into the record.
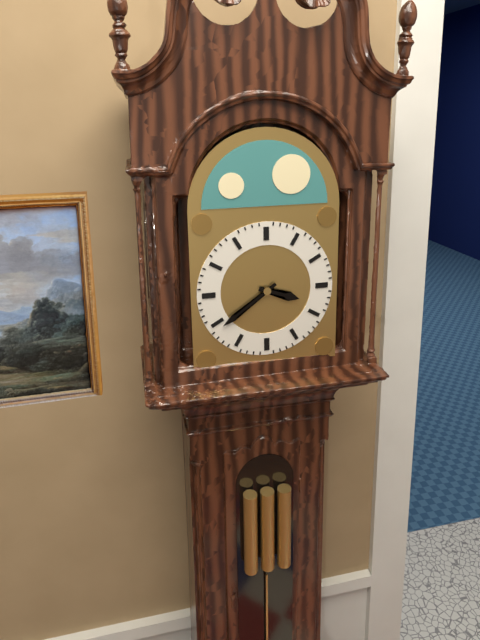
3:39
